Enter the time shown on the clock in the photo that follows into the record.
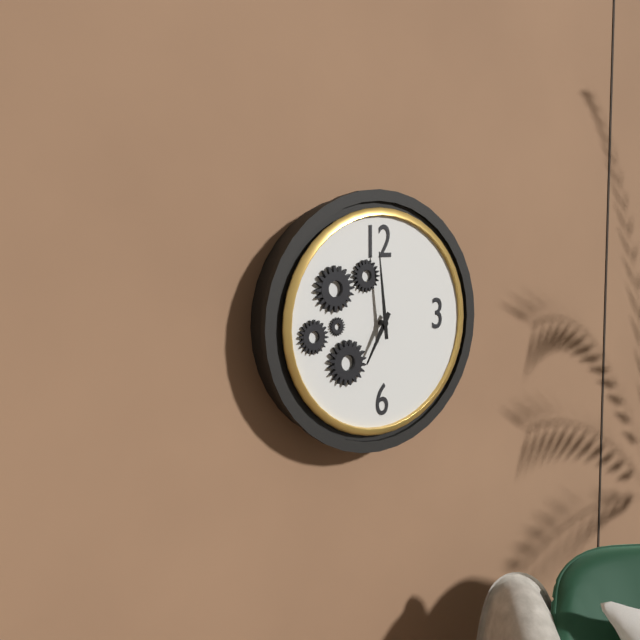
6:59
